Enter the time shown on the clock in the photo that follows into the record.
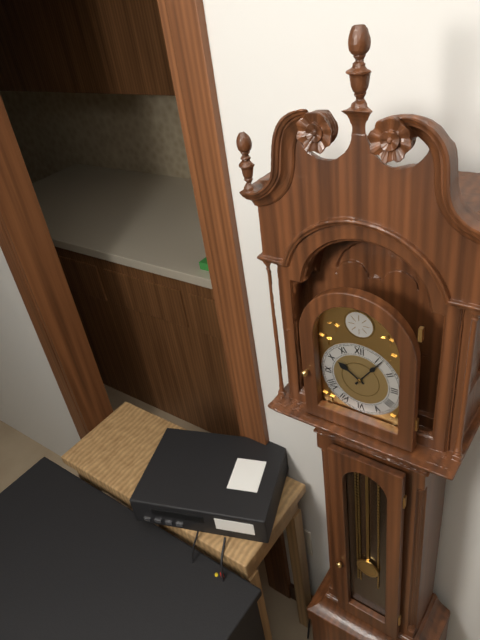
10:06
